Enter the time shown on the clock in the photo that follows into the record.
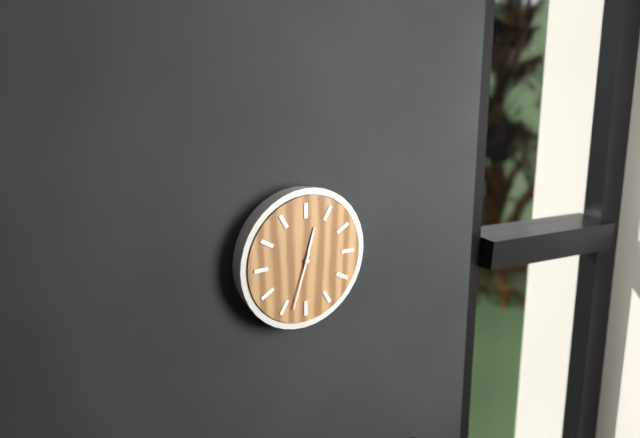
12:33
